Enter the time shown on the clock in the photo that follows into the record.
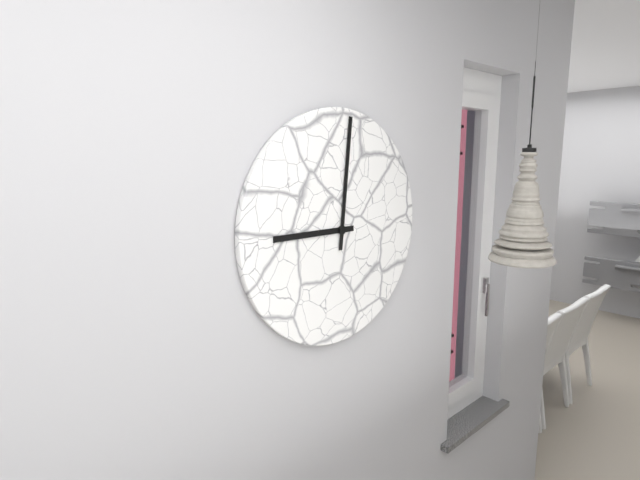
9:01
